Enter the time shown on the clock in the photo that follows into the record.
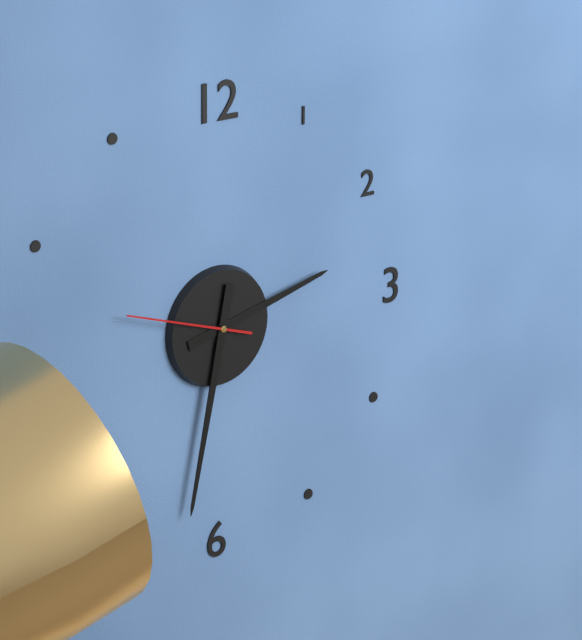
2:32:48
